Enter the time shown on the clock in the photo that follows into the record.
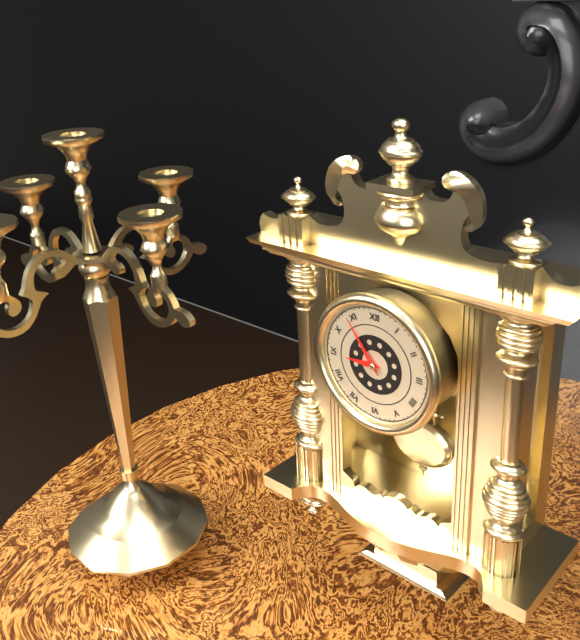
8:54
